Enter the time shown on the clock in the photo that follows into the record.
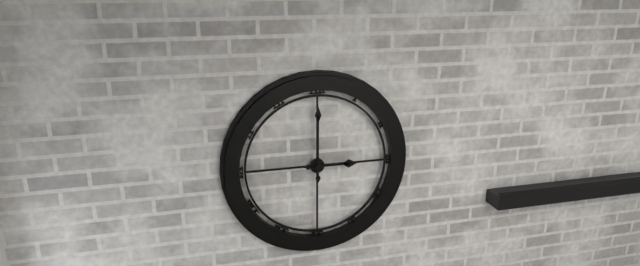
3:00
